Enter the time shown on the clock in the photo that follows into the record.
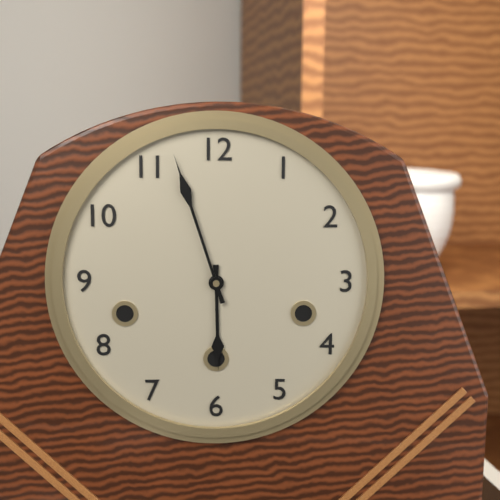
5:57
